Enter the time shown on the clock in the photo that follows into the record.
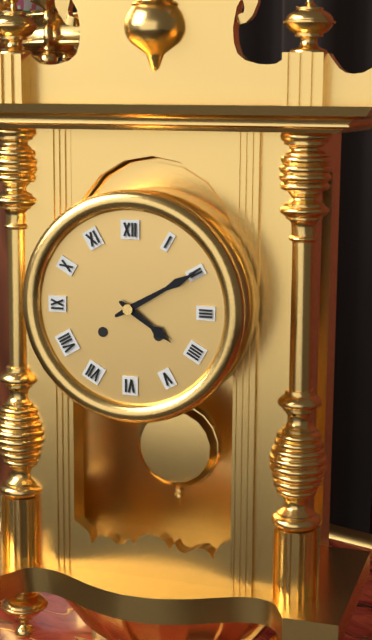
4:10
